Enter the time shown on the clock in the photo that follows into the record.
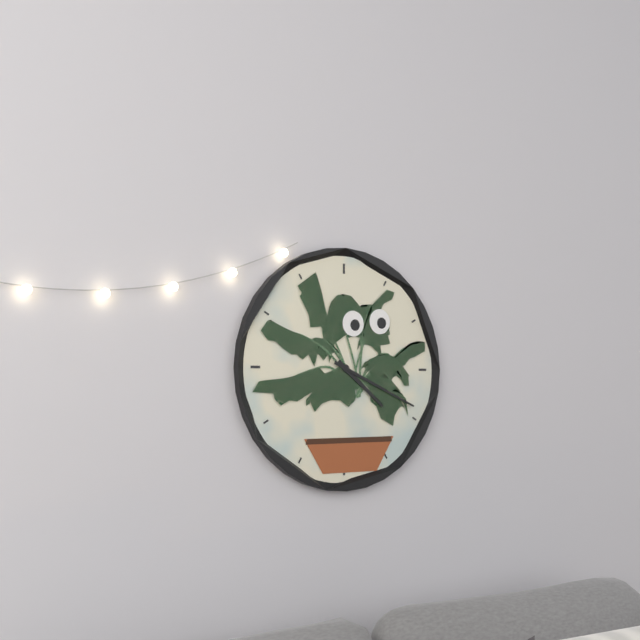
4:19
